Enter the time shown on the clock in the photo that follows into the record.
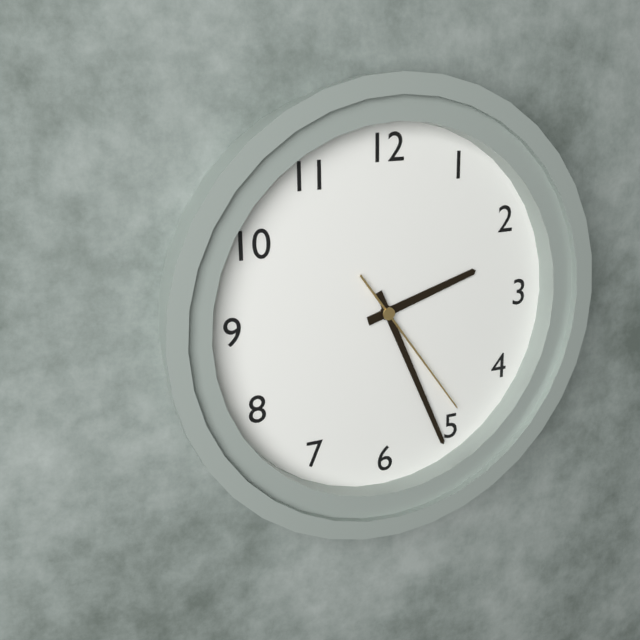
2:26:24
